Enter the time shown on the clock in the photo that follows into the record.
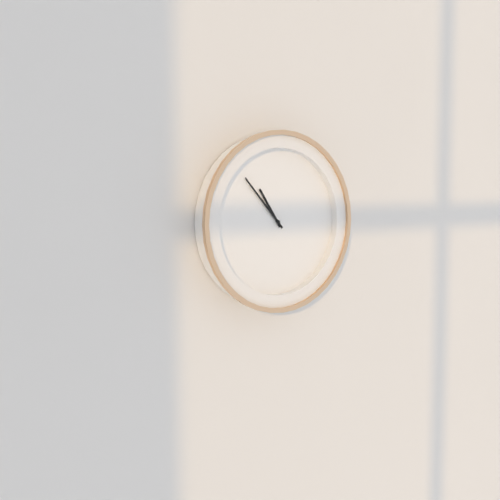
10:53
